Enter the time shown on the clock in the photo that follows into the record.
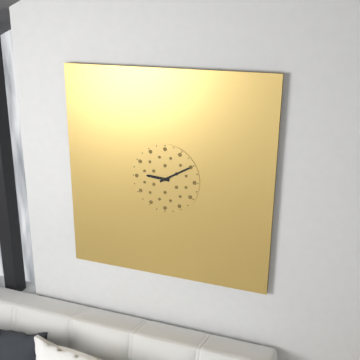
9:10
